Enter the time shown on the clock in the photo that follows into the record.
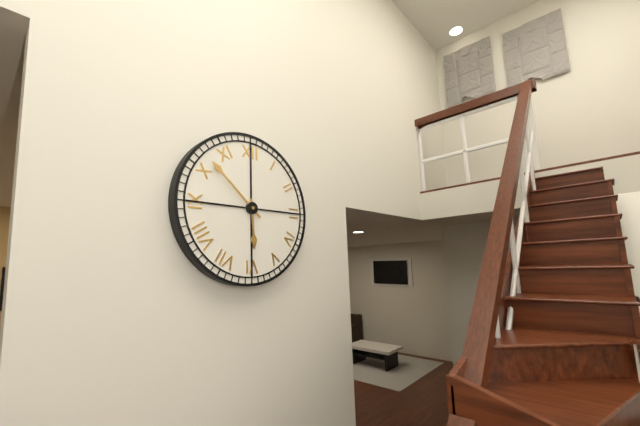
5:52
